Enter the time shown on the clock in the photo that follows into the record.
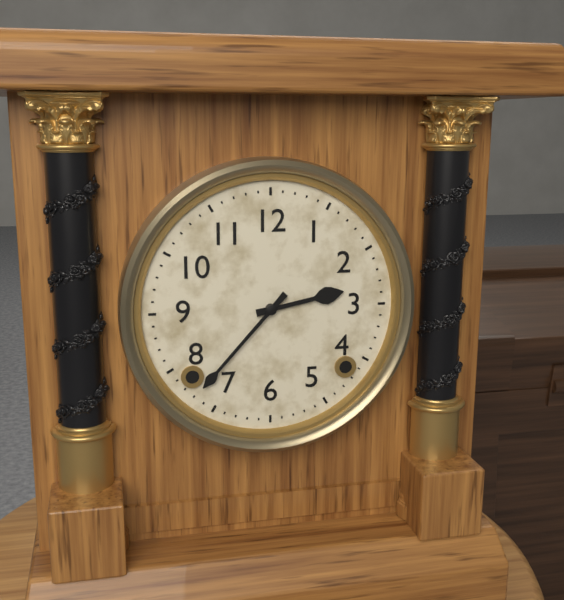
2:37
